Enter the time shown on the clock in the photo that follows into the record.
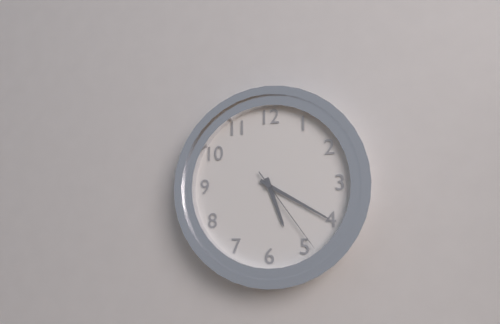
5:20:24
